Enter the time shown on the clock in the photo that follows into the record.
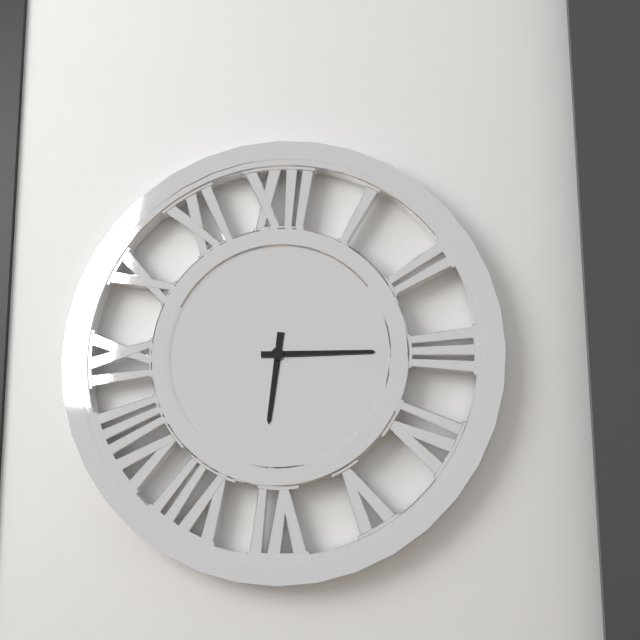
6:15
